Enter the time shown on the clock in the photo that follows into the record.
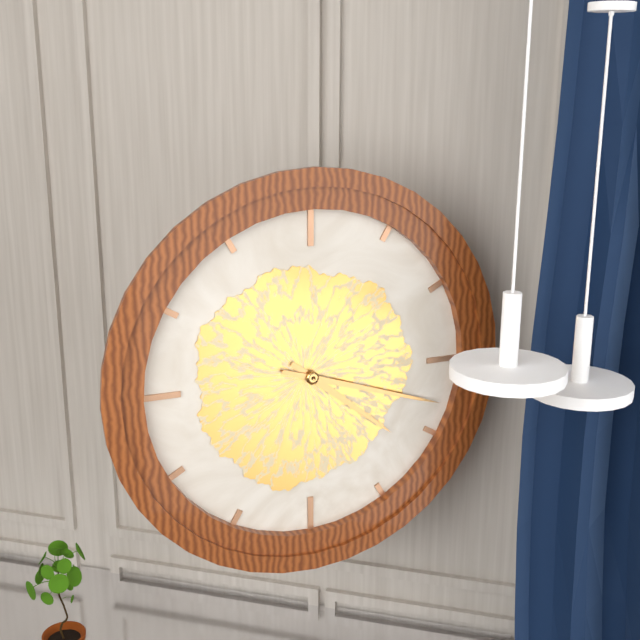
4:18
